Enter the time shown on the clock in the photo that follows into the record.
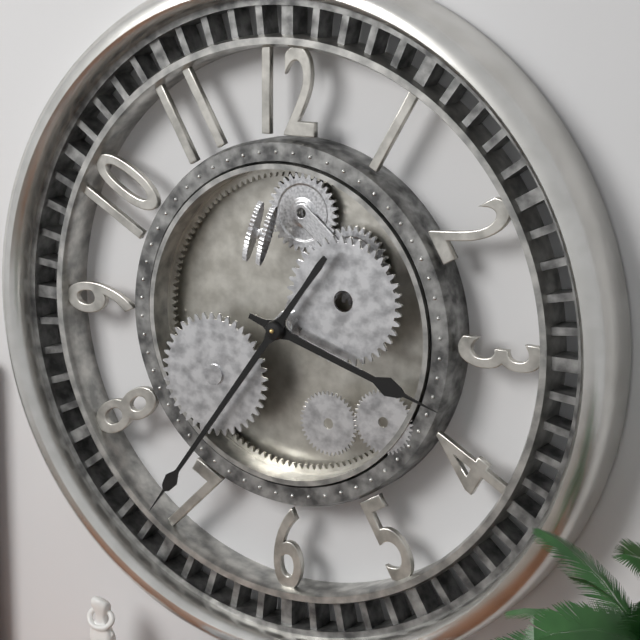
3:36
